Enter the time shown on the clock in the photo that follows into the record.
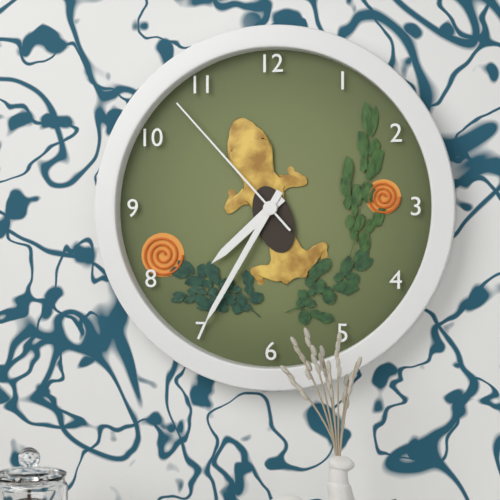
7:35:53
